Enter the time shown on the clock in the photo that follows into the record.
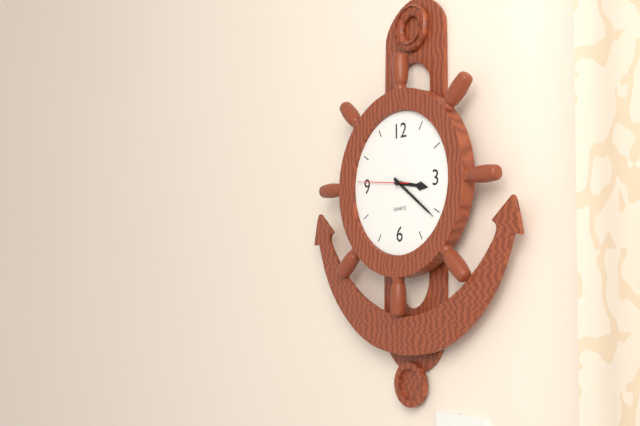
3:21:46
